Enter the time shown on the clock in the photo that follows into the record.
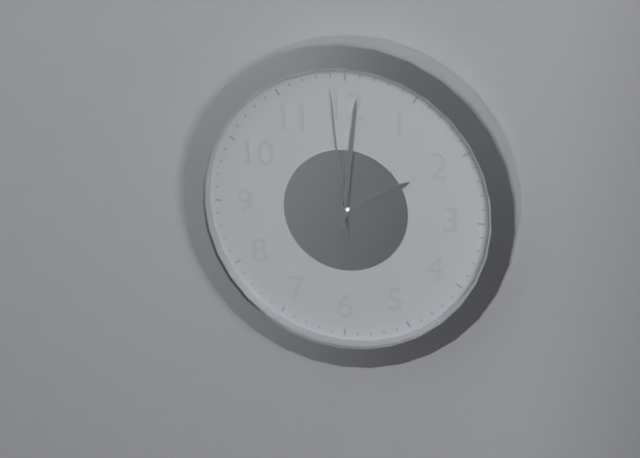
2:01:59
